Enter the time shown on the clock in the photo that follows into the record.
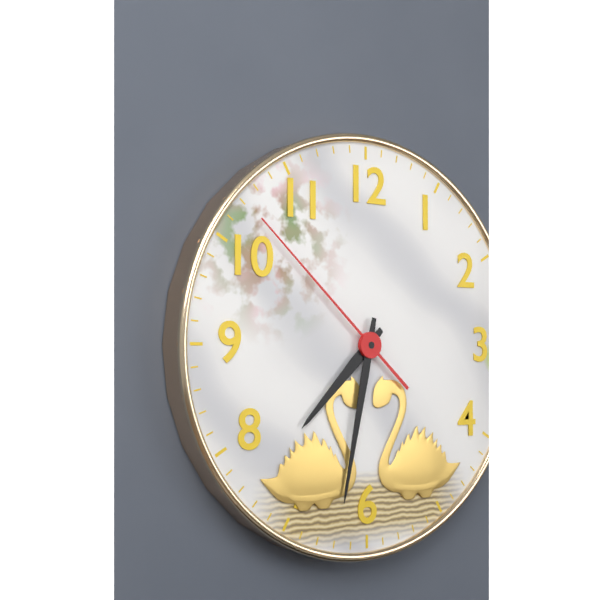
7:32:52
